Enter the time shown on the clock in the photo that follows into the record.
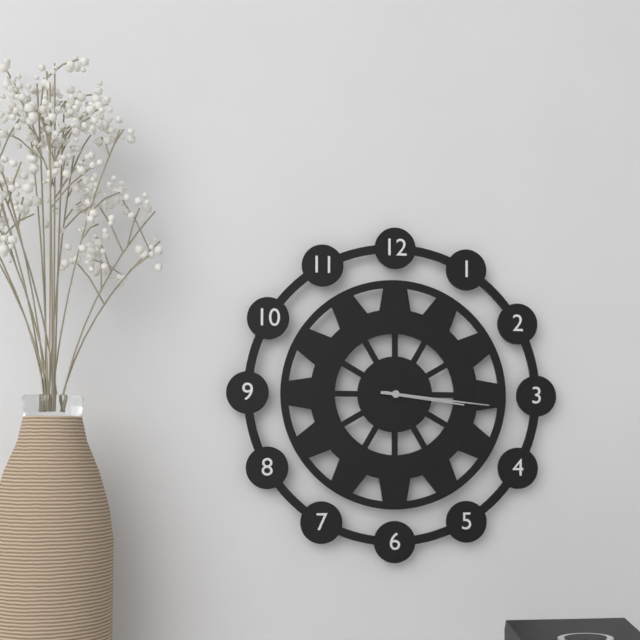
3:16
